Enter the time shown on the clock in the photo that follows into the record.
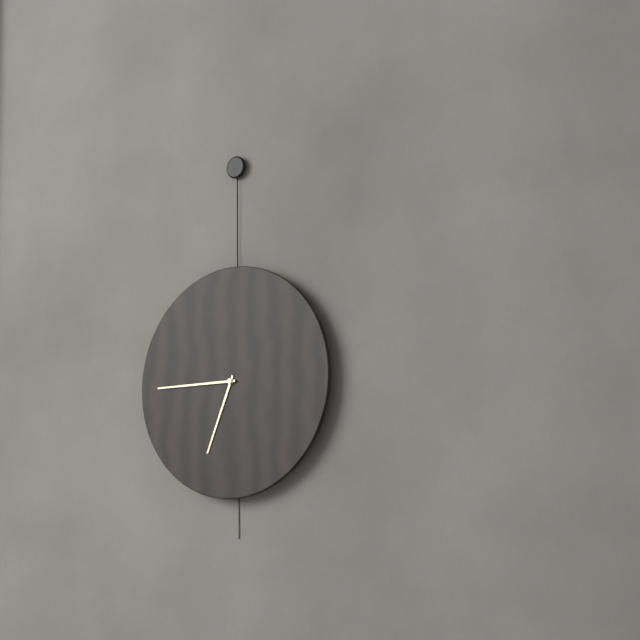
6:45
